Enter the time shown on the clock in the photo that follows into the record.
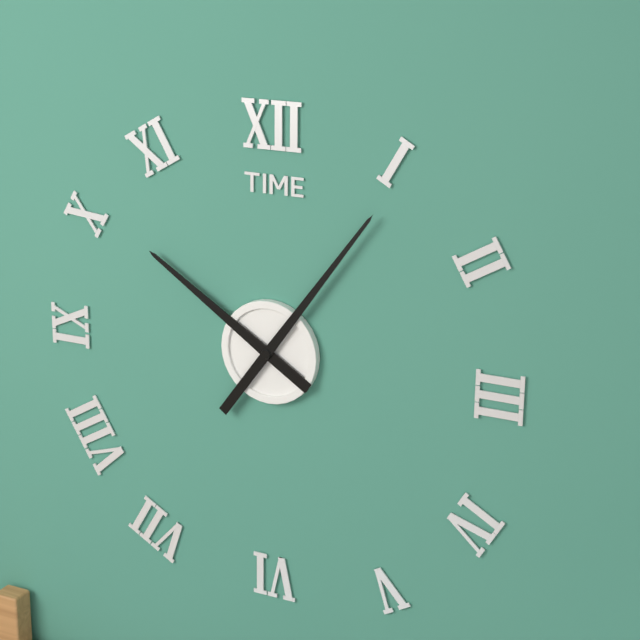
10:06
